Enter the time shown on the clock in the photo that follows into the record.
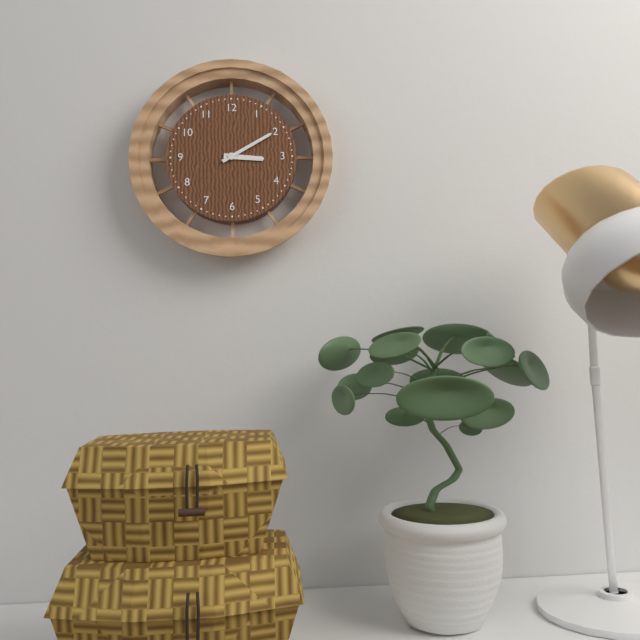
3:10
